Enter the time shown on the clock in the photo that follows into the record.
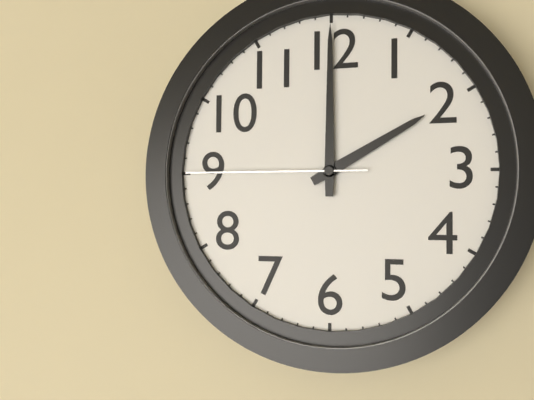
2:00:45
